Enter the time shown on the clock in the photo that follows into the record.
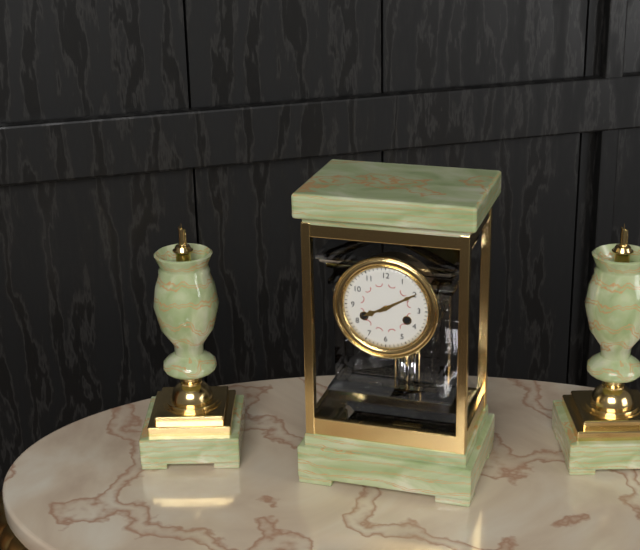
8:10
